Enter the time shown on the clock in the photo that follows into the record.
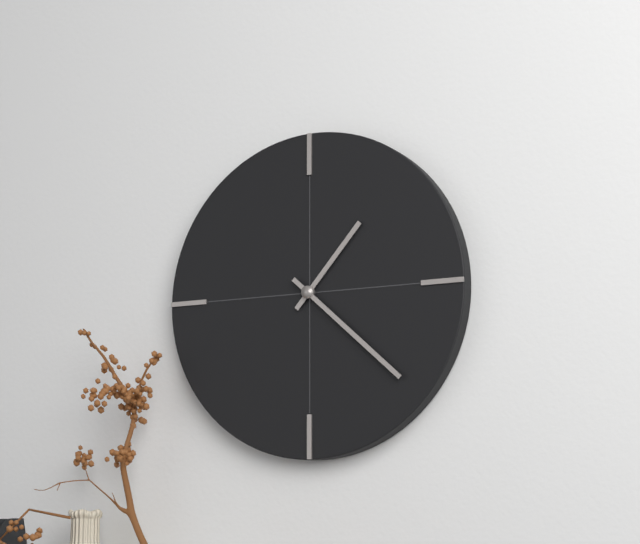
1:22
